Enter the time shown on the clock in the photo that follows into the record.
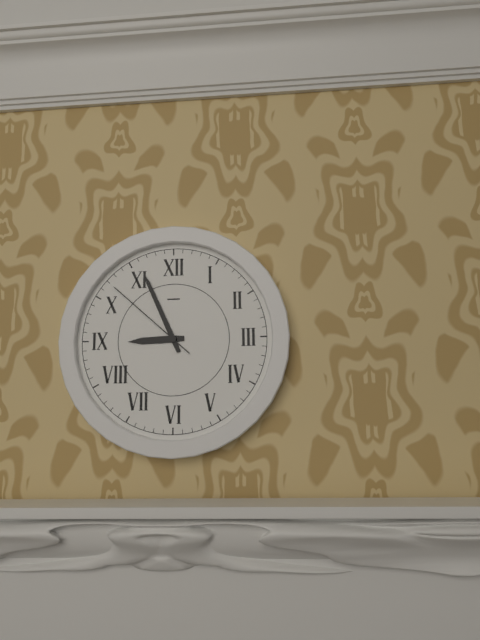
8:56:52
